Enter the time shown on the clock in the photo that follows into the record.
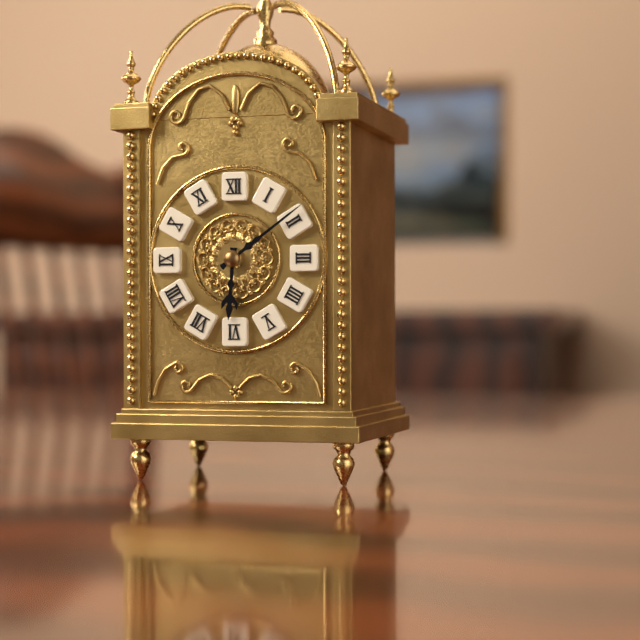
6:09
